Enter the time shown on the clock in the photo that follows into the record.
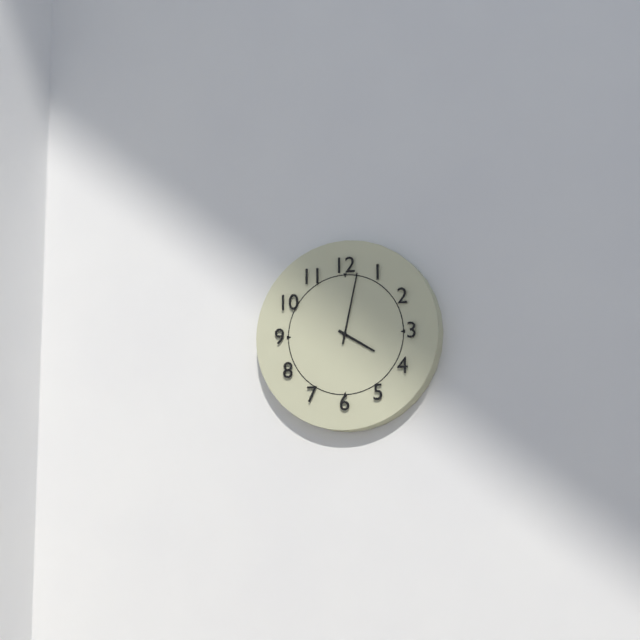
4:02
